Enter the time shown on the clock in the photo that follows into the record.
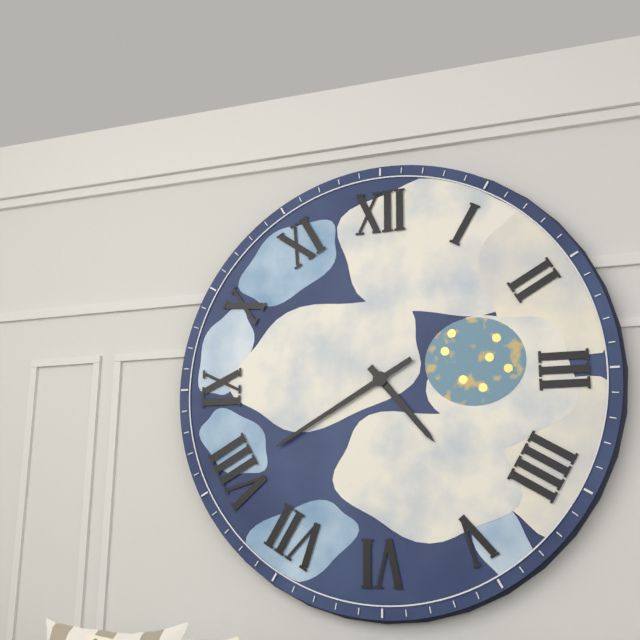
4:40
